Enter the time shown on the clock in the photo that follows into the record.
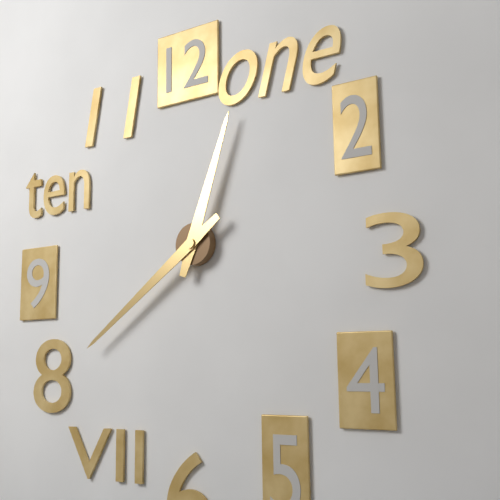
12:39
